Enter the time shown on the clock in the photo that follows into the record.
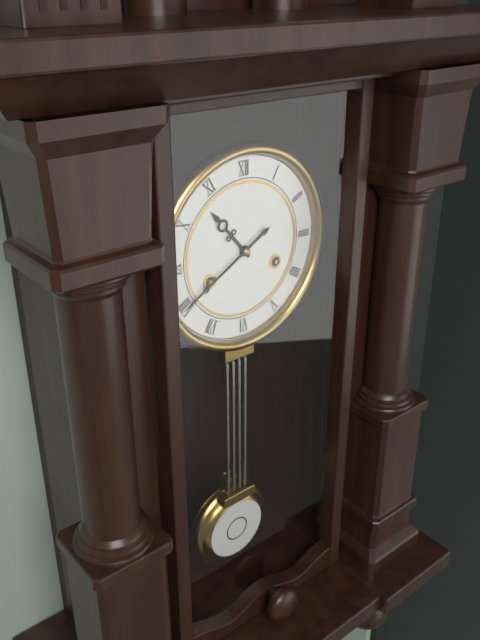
10:40
